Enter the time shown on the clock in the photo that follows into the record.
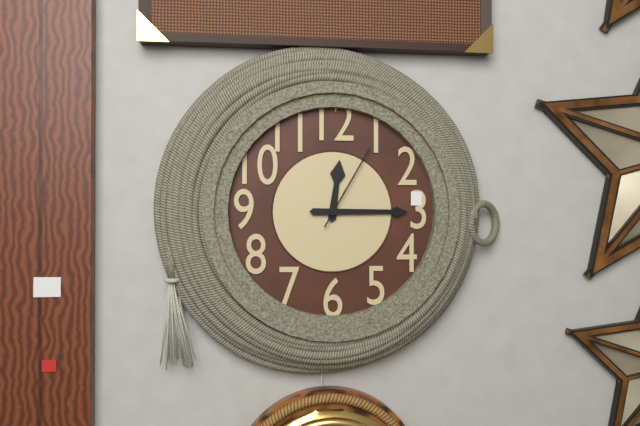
12:15:05
